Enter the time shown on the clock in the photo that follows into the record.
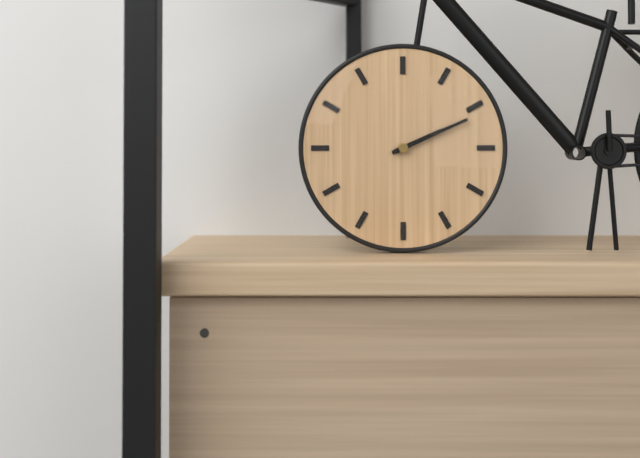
2:11
